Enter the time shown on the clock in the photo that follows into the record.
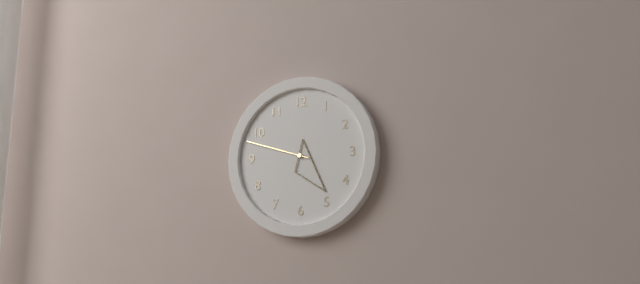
4:48
